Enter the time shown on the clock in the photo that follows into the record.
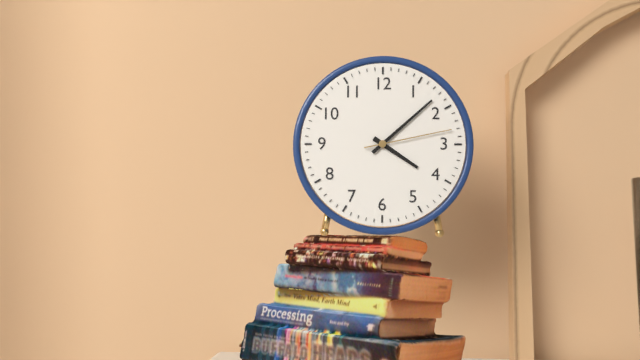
4:08:13
